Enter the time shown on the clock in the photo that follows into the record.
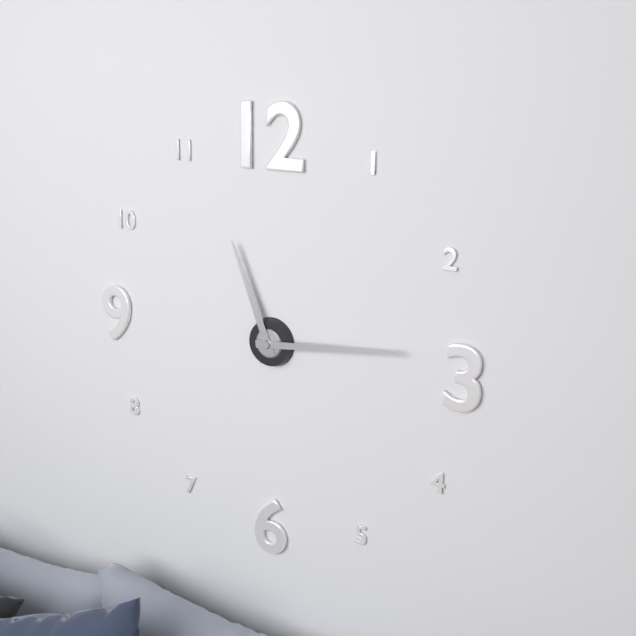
11:14
